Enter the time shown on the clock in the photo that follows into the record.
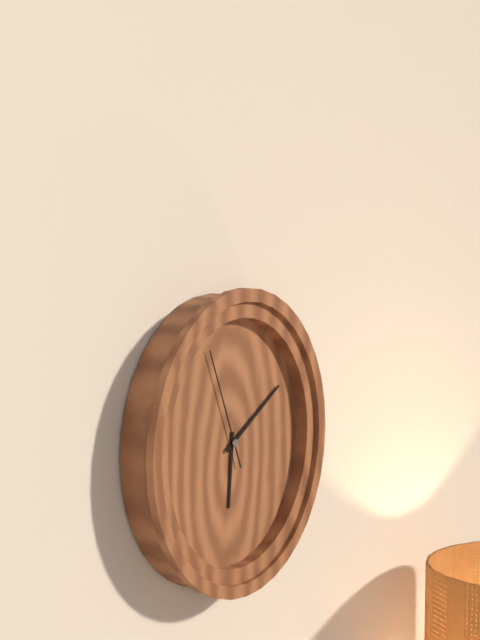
6:10:56
